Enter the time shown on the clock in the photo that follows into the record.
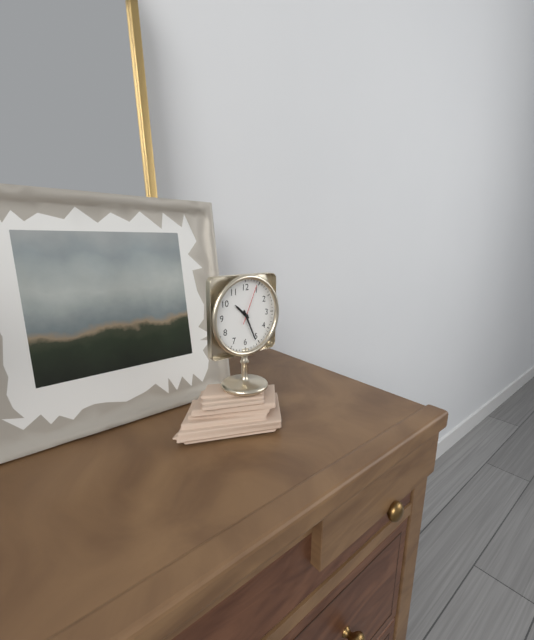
10:26
